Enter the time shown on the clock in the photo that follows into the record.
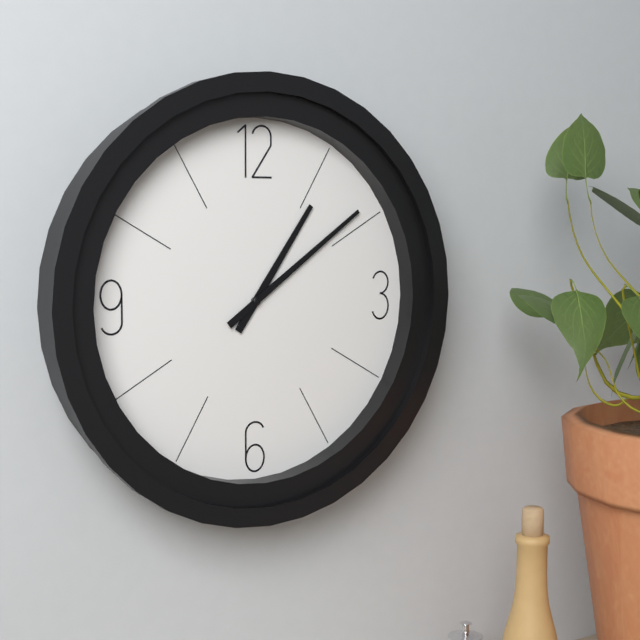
1:09
